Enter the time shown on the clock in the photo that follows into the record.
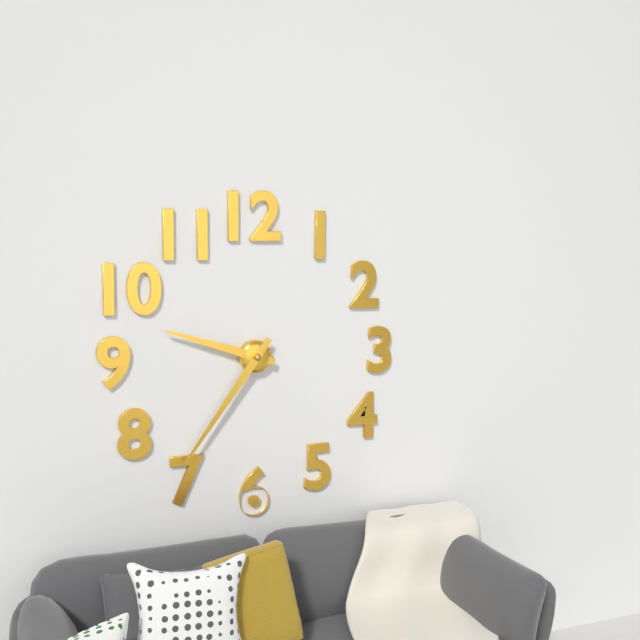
9:36
